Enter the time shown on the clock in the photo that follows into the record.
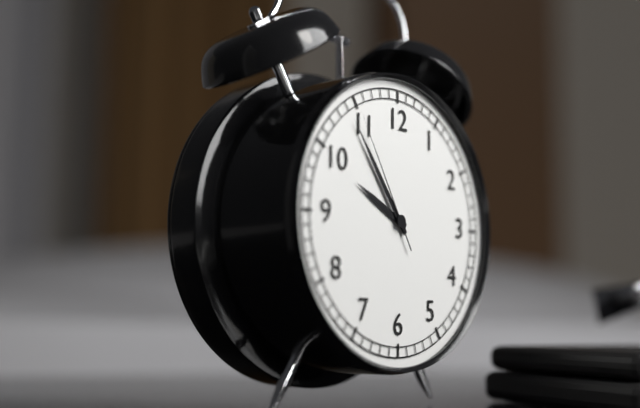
9:54:55
